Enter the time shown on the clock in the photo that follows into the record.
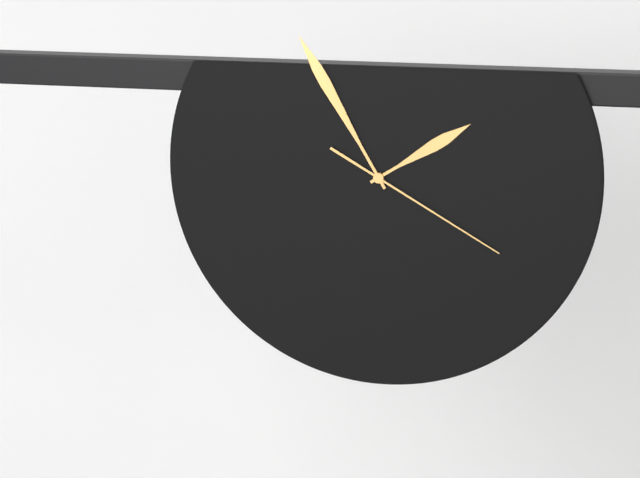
1:55:20
